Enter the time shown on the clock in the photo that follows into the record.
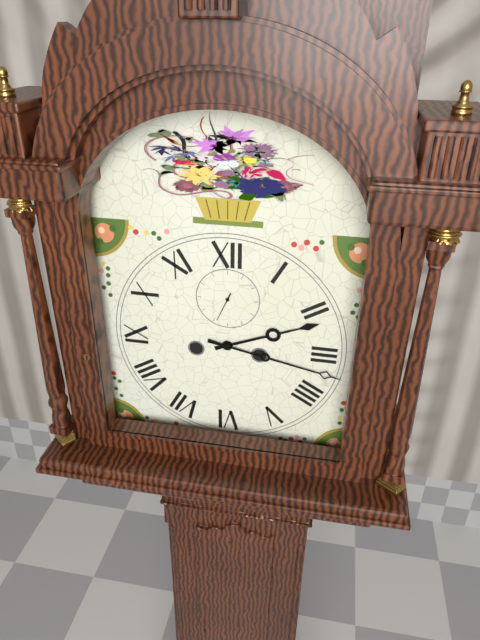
2:17
